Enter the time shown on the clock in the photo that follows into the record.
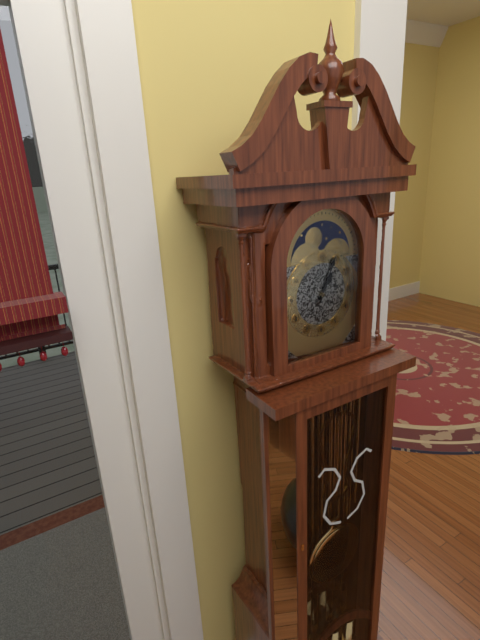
1:04
